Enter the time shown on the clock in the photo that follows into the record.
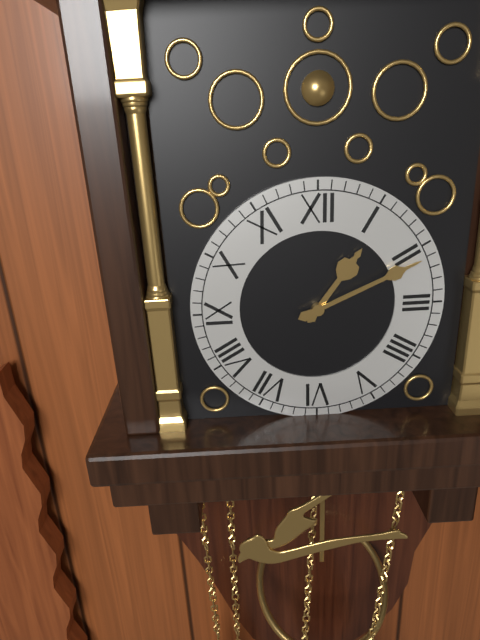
1:11
